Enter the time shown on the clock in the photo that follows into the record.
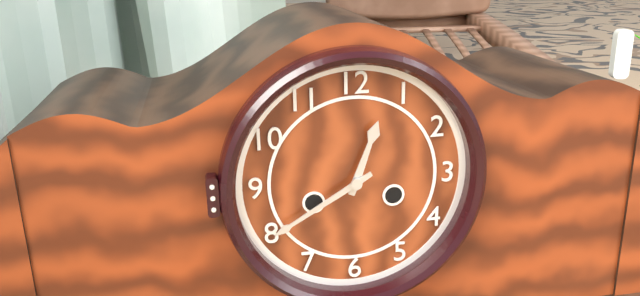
12:40
